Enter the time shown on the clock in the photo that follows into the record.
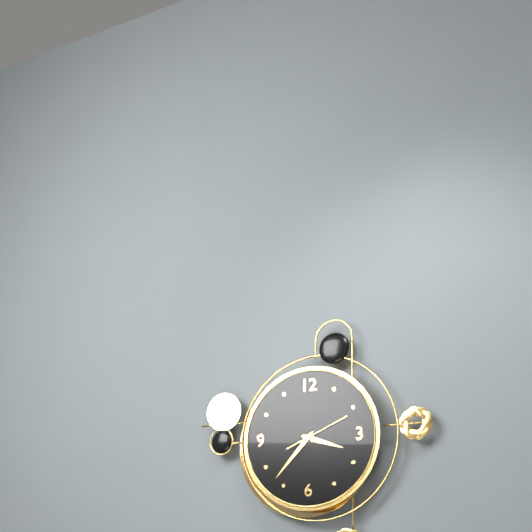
3:37:11
